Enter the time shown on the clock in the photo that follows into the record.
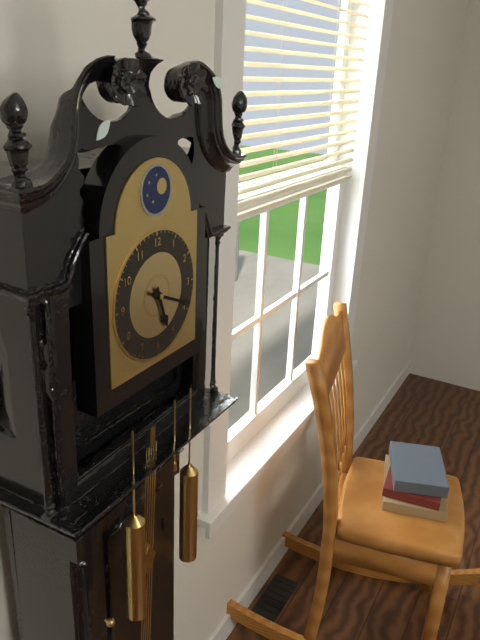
5:19
